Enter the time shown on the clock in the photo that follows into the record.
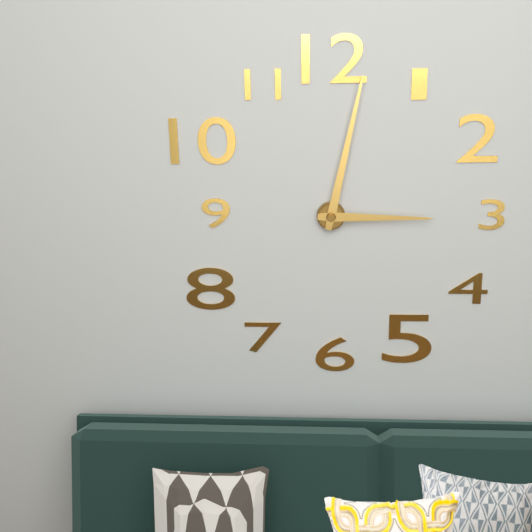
3:02
